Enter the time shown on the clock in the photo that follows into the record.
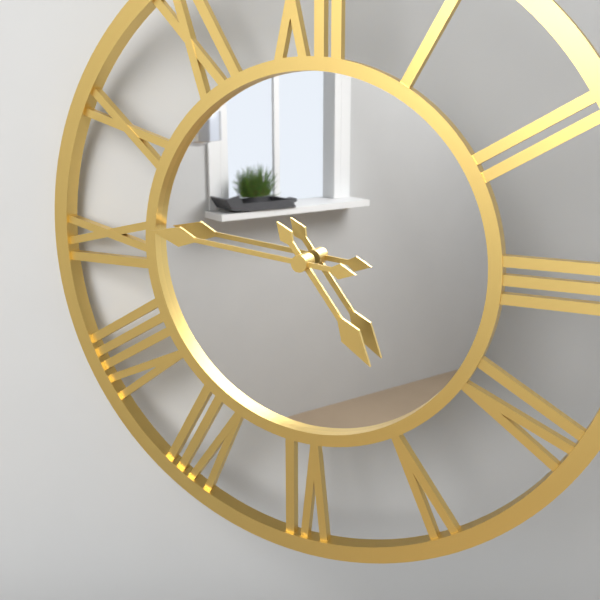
4:46
